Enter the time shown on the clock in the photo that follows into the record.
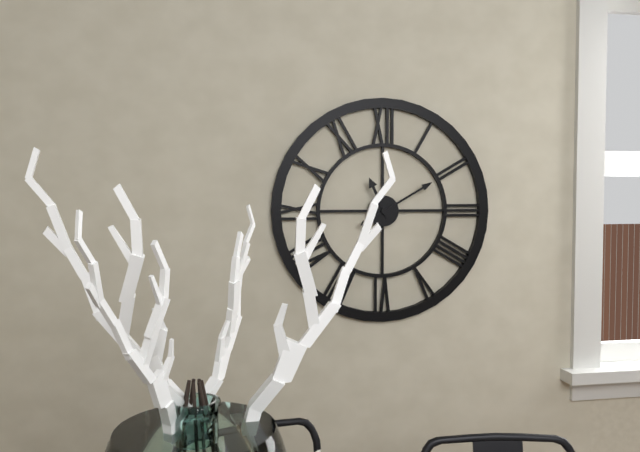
11:10
